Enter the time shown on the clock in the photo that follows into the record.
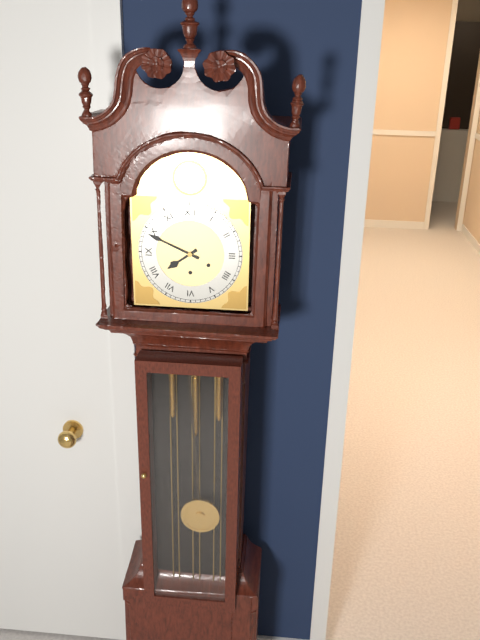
7:49
